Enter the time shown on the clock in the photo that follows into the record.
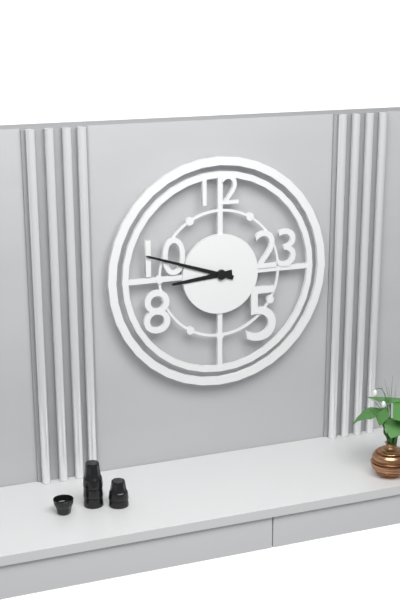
8:48
